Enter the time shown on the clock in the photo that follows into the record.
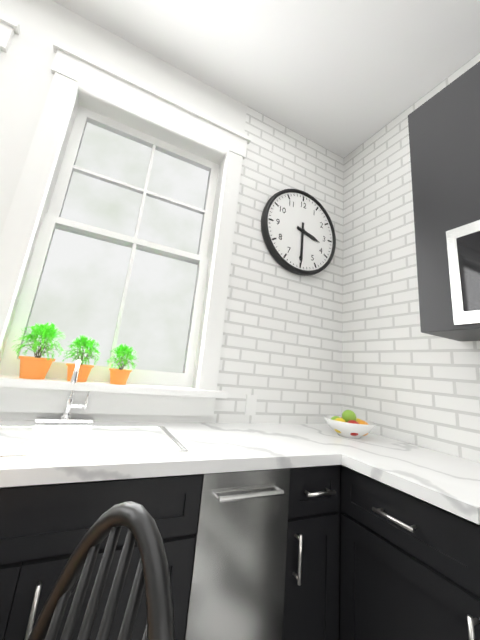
3:30
